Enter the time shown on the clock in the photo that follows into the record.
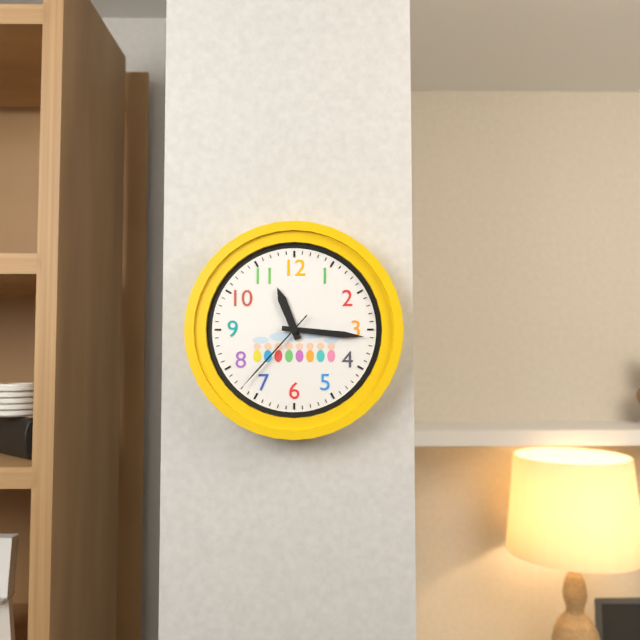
11:16:37
